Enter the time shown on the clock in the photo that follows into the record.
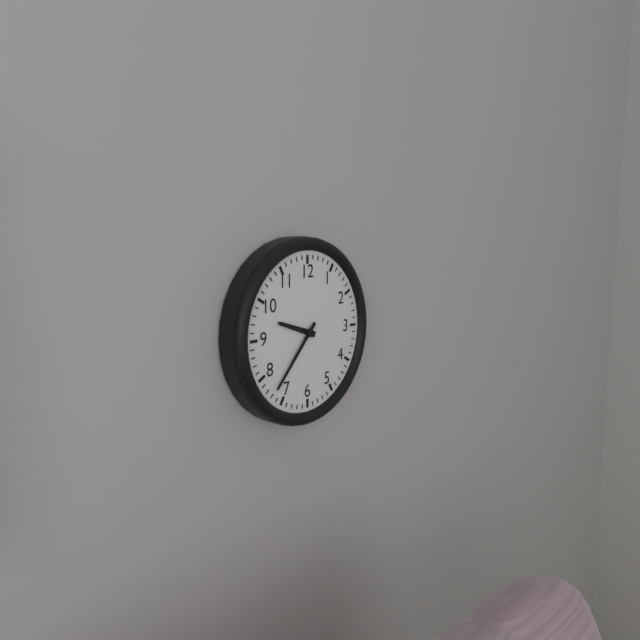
9:37
